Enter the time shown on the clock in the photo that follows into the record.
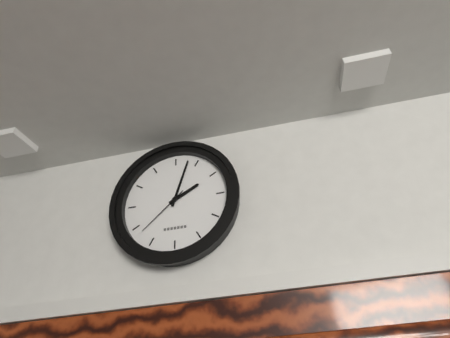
2:03:38
